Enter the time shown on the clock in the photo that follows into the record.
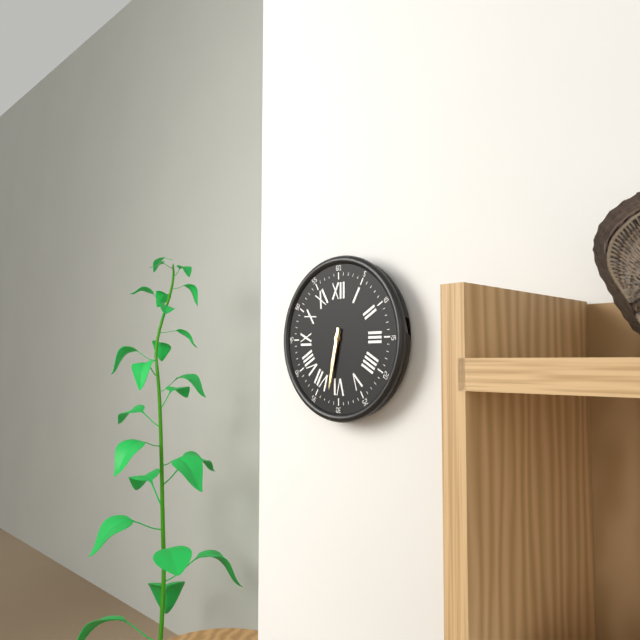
6:32
